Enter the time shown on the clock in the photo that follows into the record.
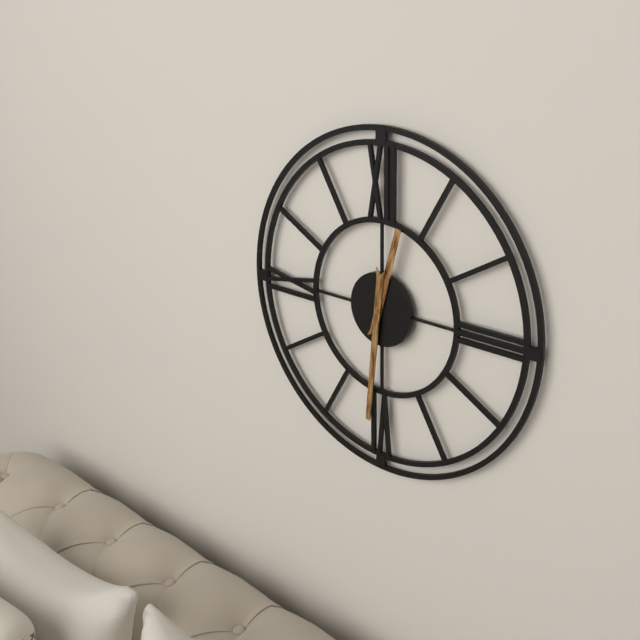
12:31
